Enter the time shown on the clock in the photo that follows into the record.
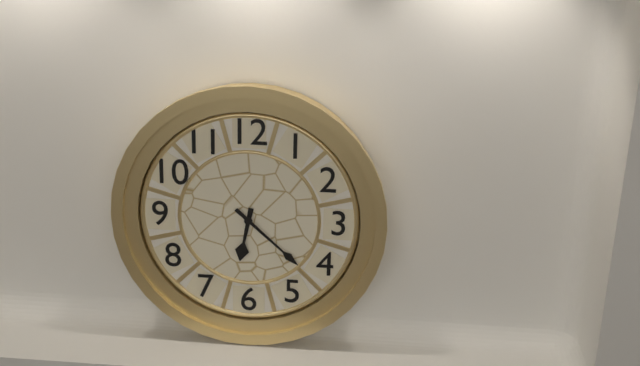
6:22
